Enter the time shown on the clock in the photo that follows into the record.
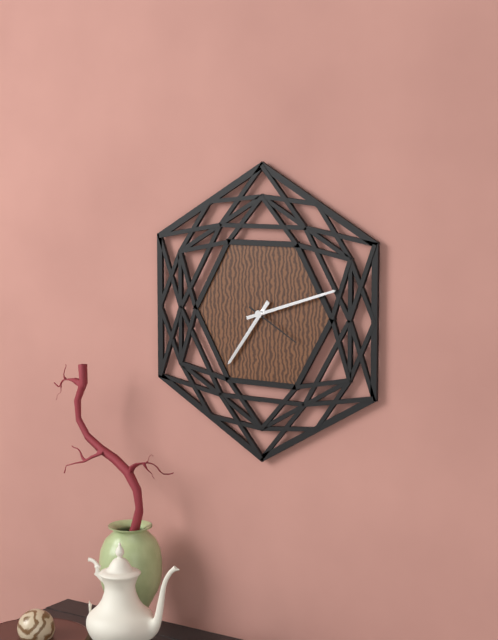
7:12:20
